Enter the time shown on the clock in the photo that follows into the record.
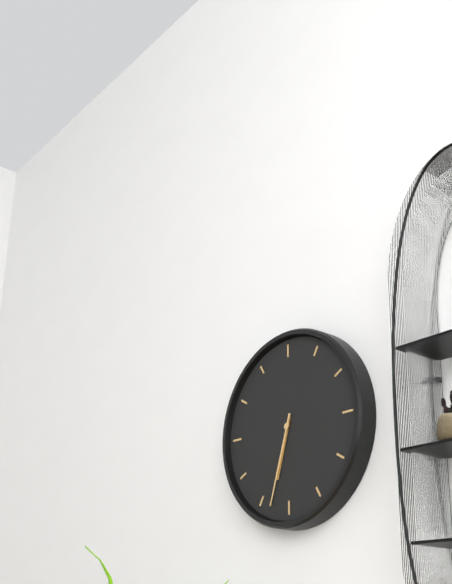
6:33
